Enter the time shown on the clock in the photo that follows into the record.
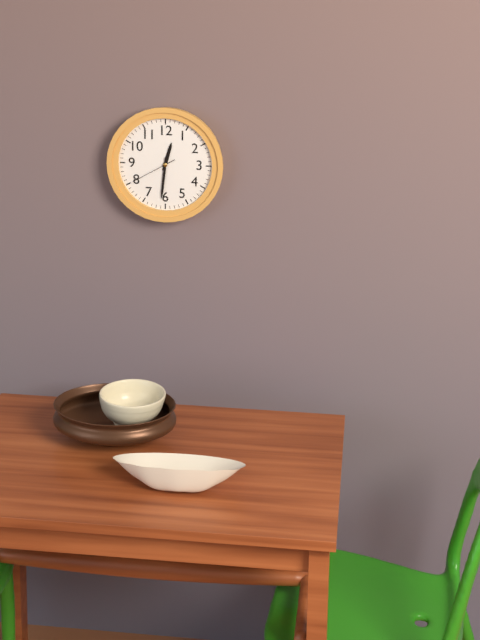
12:31
